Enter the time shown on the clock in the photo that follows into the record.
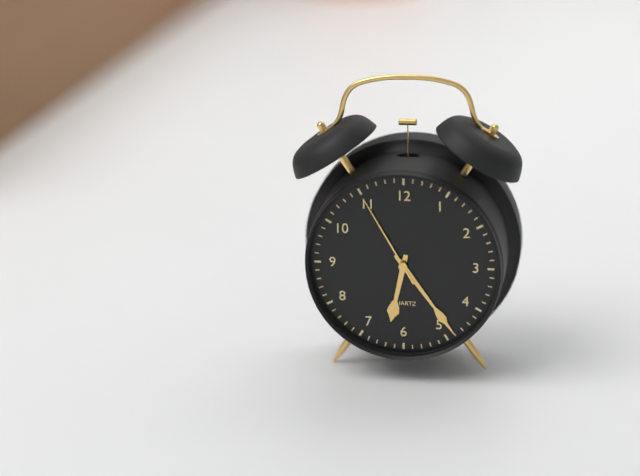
6:24:55
